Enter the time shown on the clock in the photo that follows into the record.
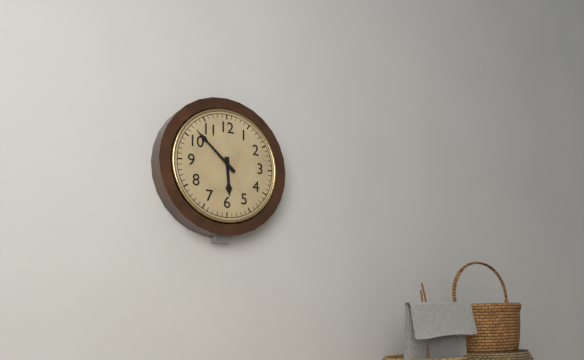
5:52
